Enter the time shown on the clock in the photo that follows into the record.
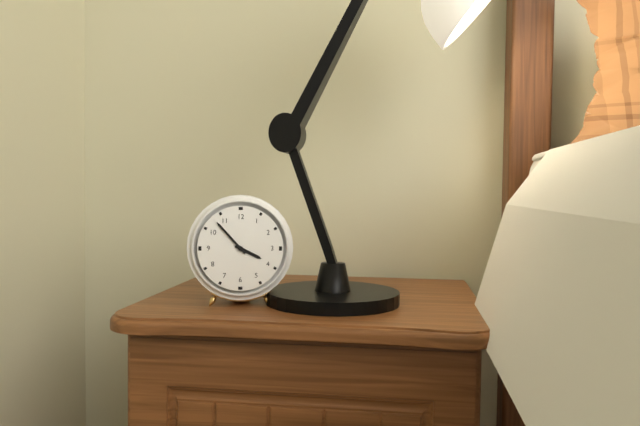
3:53
